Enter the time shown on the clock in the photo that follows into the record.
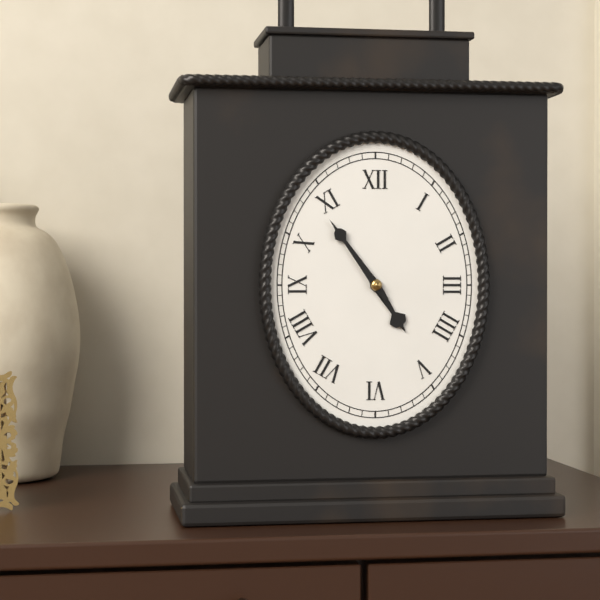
4:54
